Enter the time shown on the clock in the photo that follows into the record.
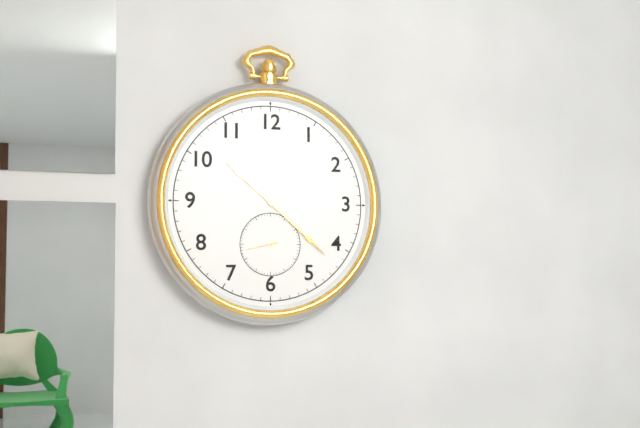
10:22
